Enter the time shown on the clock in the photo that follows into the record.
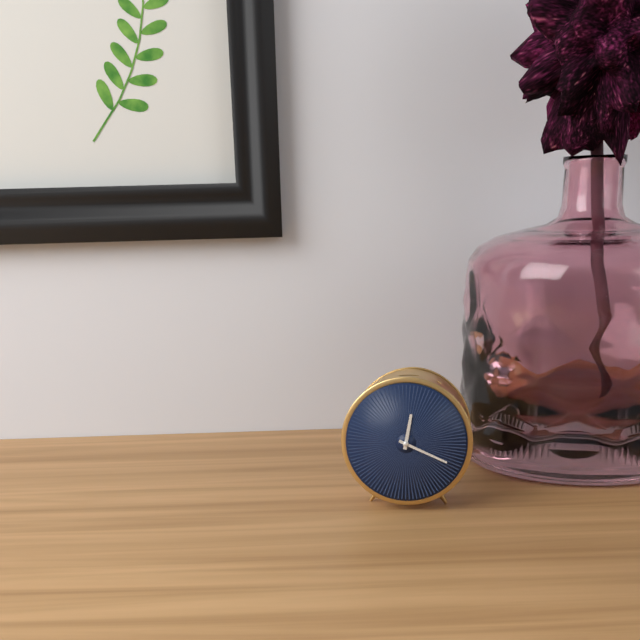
12:19
